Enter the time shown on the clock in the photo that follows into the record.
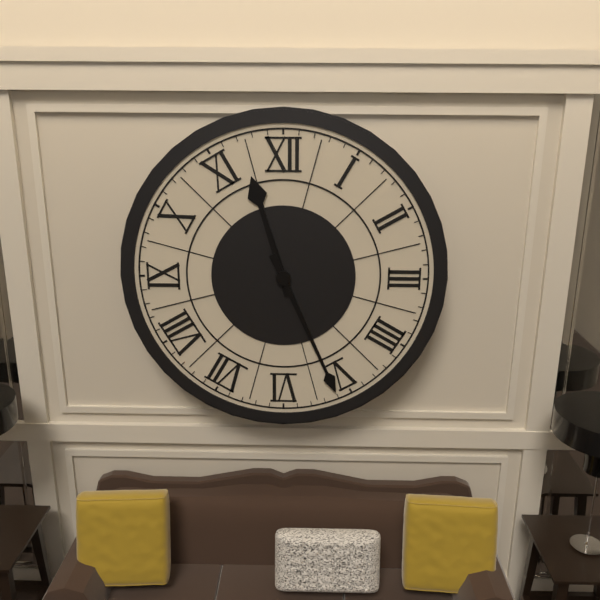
11:26
